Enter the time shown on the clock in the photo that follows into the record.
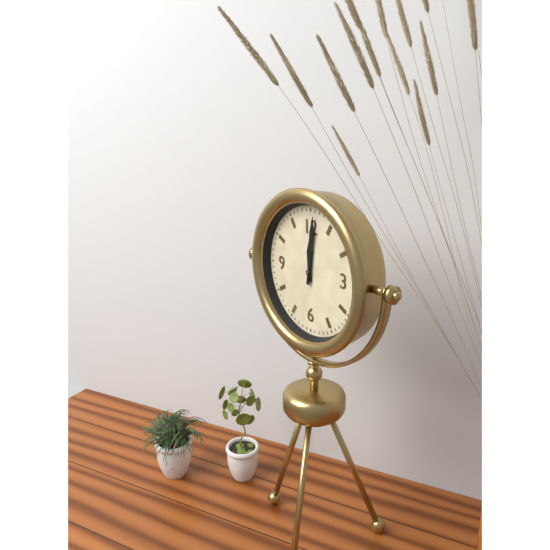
12:01
